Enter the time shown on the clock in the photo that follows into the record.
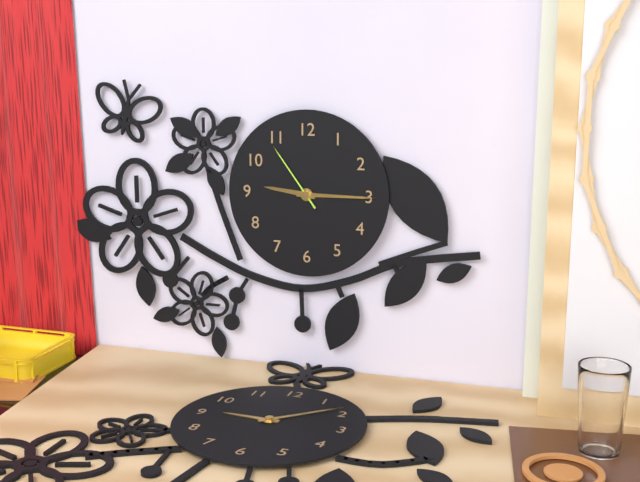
9:15:54
